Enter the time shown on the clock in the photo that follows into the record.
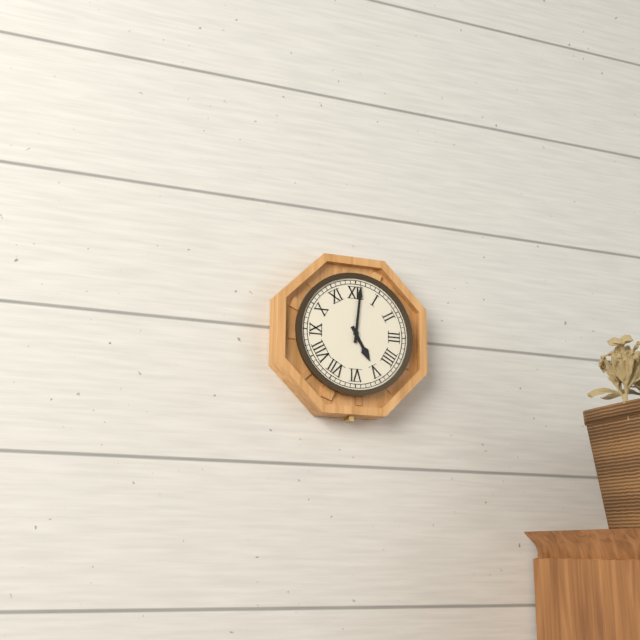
5:01
